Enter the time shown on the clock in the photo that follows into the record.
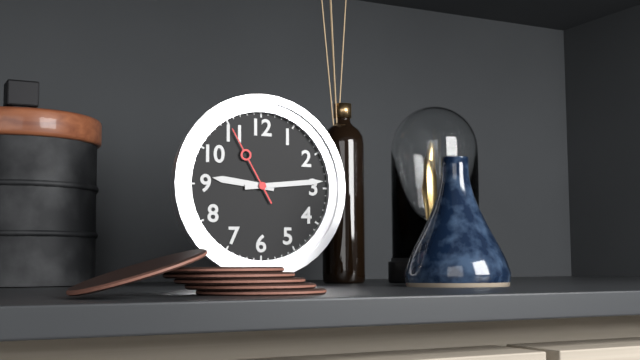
9:14:55
